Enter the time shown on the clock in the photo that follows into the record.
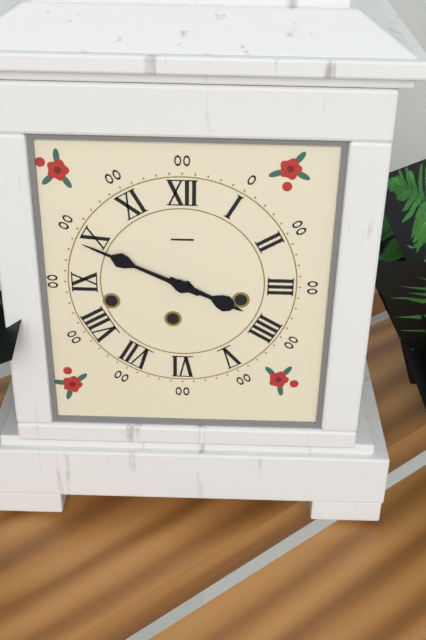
3:49
